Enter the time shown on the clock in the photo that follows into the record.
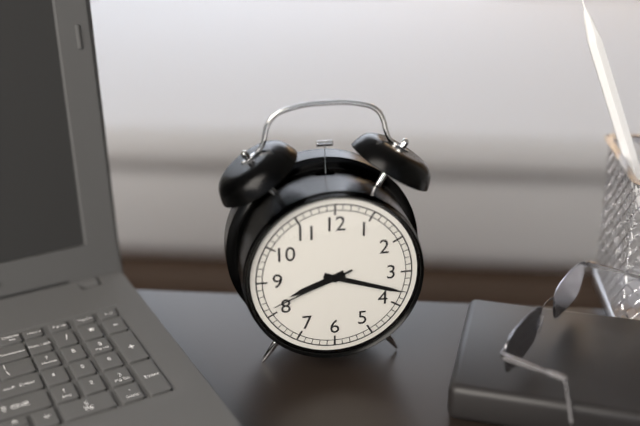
8:18:41
